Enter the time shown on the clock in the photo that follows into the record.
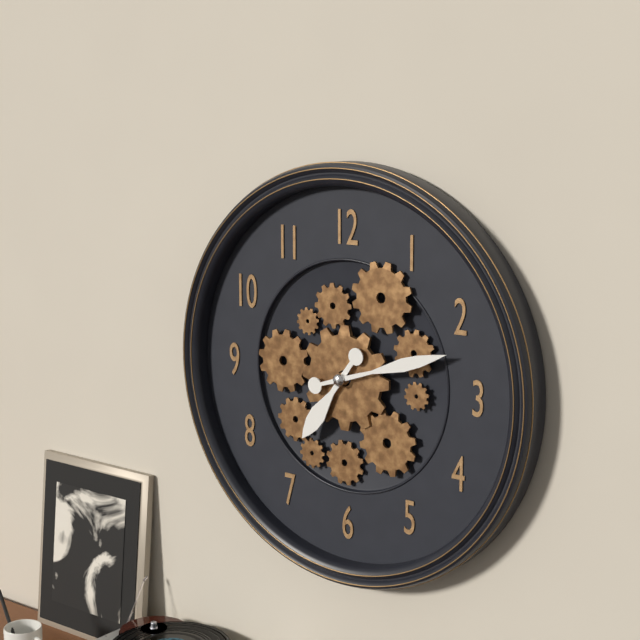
7:12
